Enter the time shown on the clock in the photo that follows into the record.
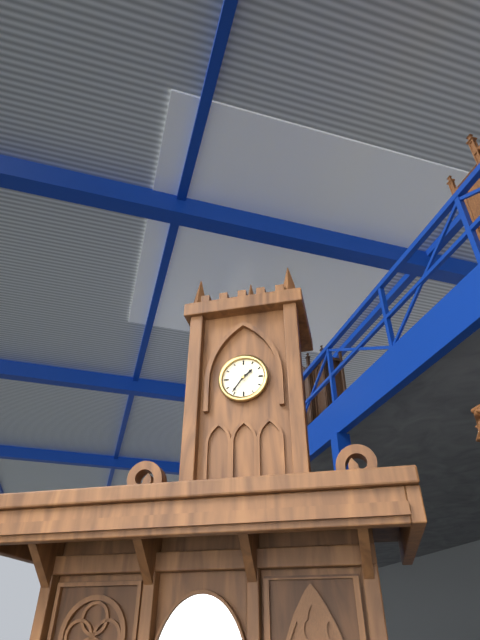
1:36
